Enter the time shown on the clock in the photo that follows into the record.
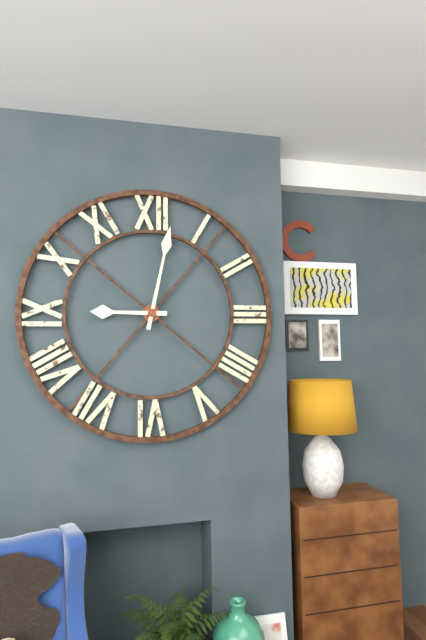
9:02
